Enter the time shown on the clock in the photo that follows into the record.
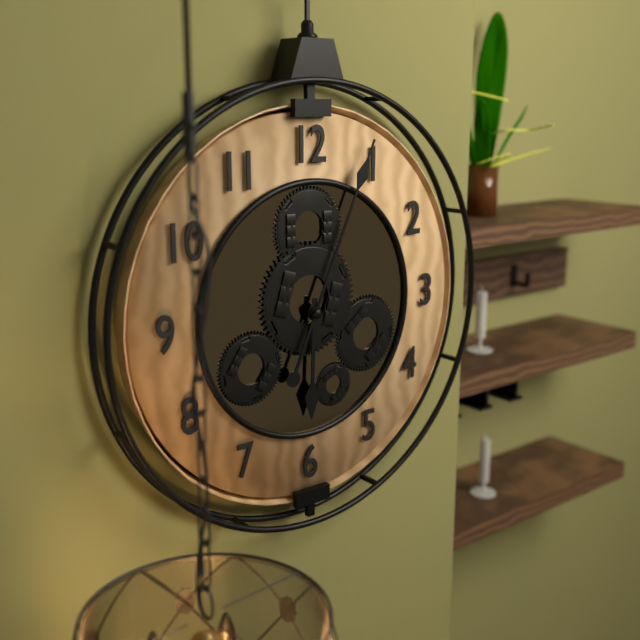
6:04
